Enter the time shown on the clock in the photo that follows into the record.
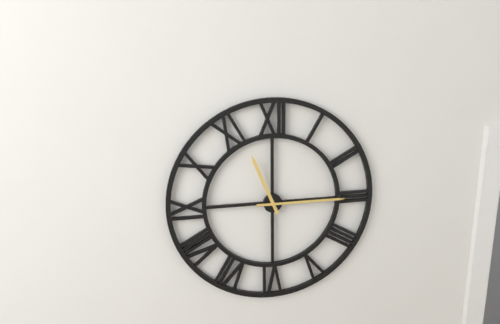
11:15
